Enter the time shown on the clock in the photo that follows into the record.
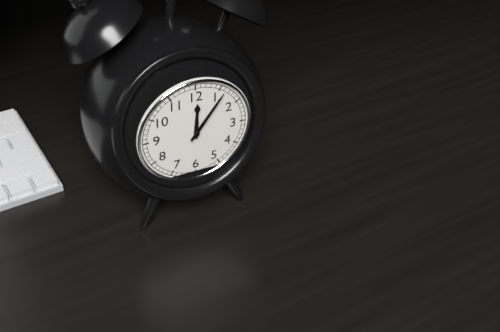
12:06
